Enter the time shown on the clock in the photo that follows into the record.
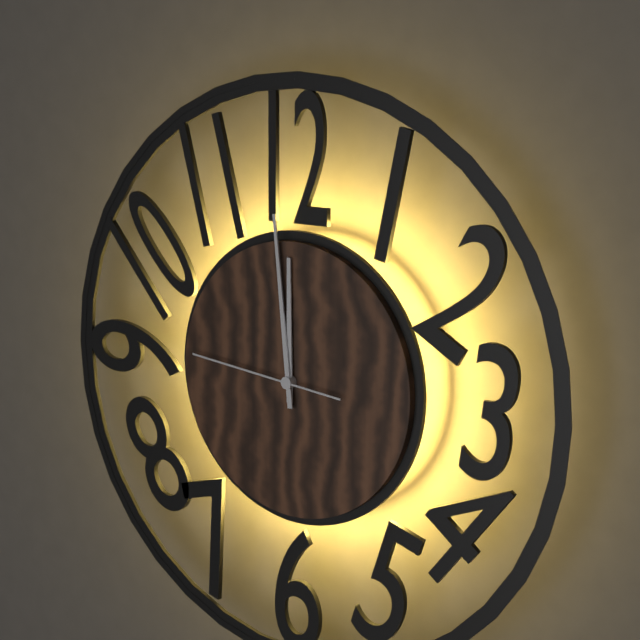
11:59:46
